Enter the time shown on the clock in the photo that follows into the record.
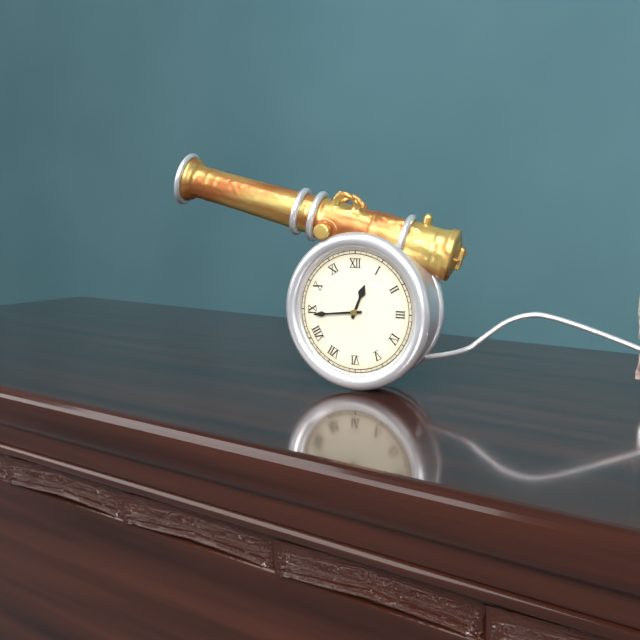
12:44
